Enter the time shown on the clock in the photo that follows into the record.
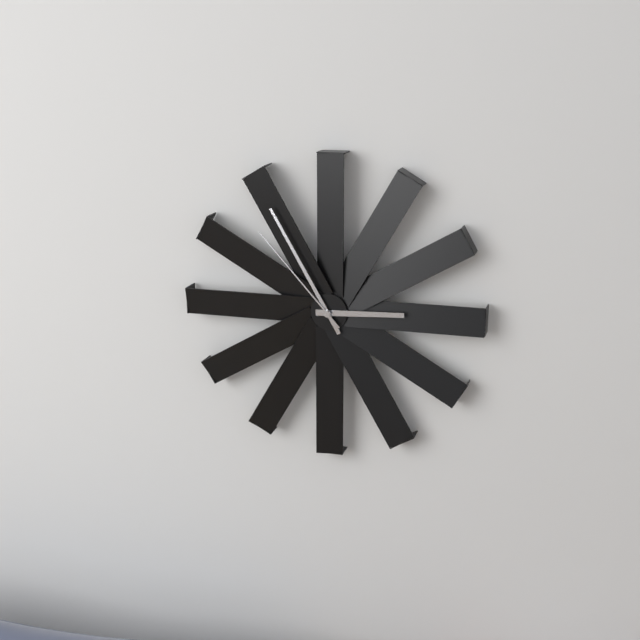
2:55:53
